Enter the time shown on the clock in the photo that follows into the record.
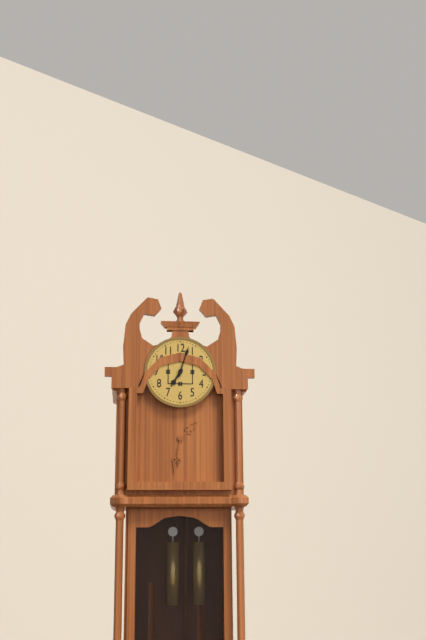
7:03
